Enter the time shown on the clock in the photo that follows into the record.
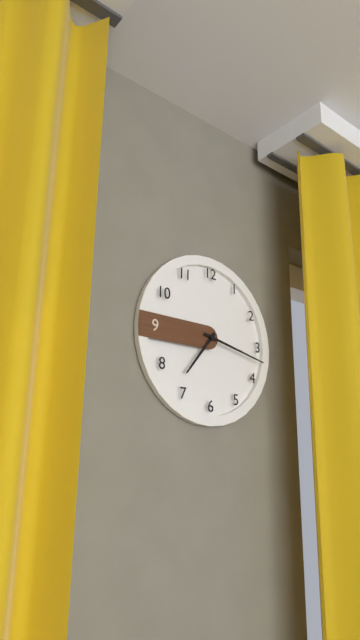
7:17
